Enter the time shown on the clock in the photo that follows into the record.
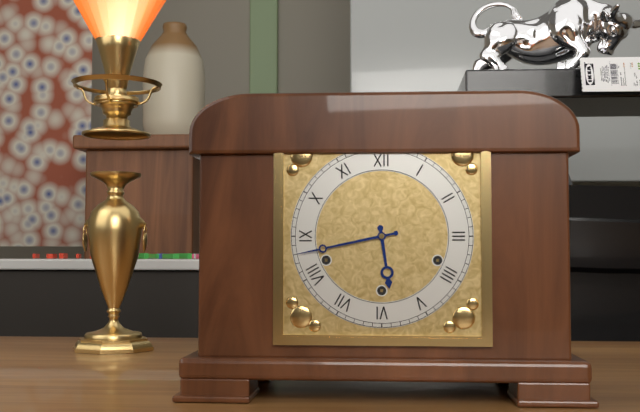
5:43
